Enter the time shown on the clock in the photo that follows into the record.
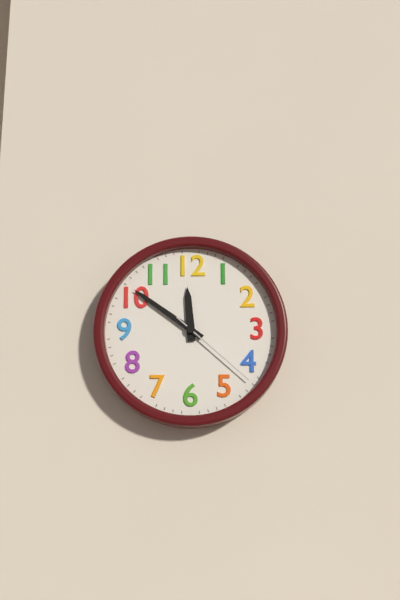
11:51:22
